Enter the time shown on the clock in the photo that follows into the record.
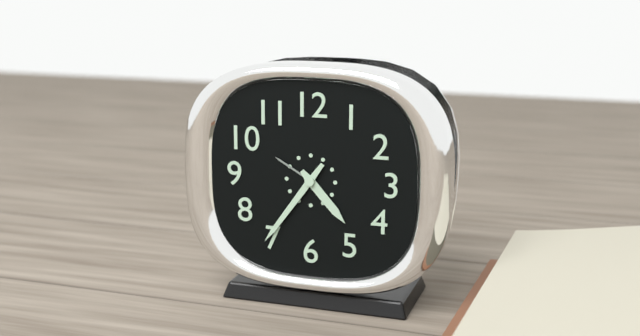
4:36
